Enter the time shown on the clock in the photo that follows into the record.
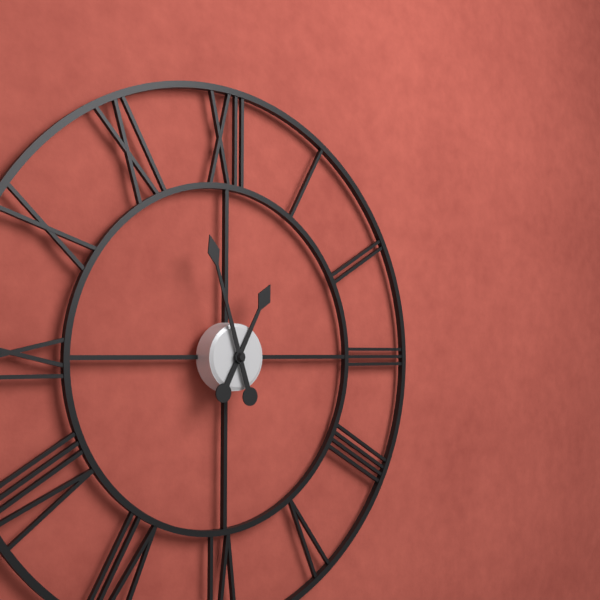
12:57
